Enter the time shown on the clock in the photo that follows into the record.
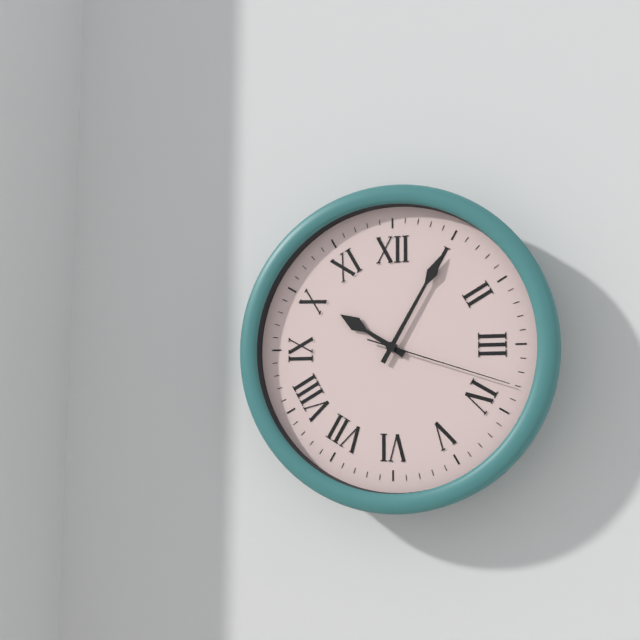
10:05:18
